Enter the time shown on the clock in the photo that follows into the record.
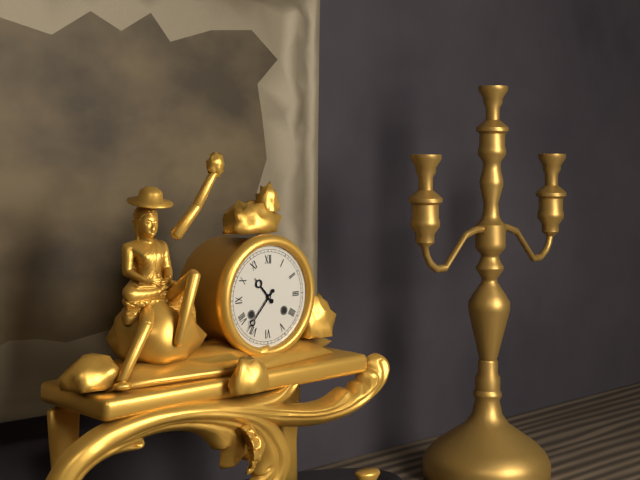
10:37
